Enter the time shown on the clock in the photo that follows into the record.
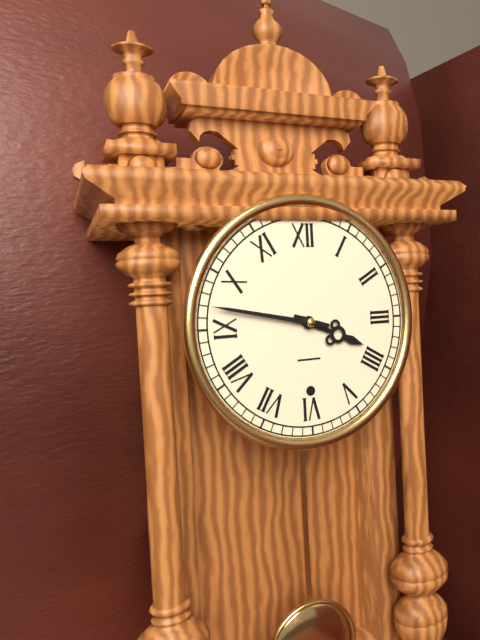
3:47
